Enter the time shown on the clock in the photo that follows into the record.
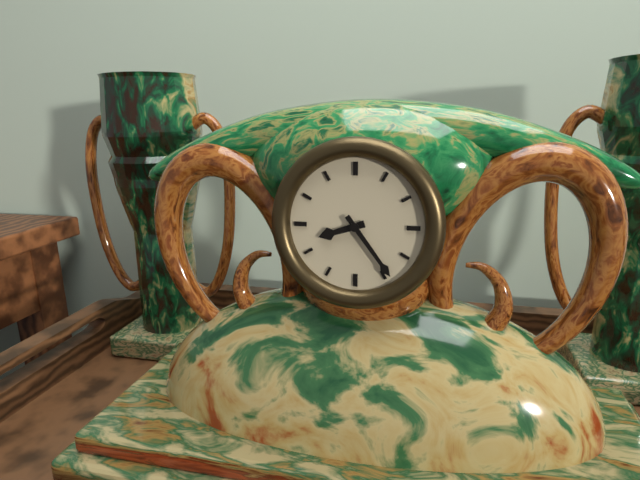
8:24
